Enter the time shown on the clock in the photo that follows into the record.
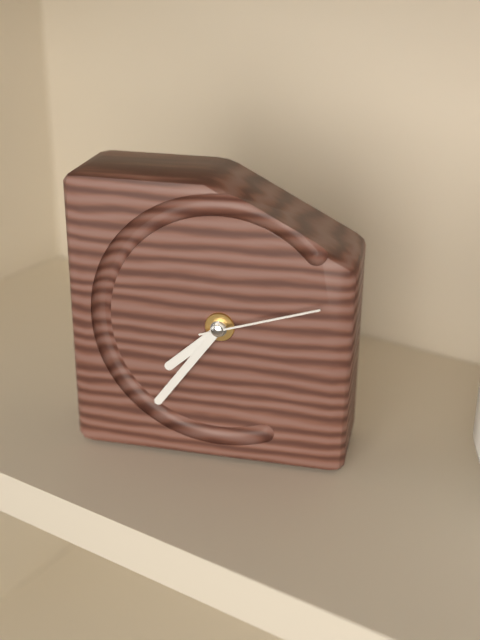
7:36:12
